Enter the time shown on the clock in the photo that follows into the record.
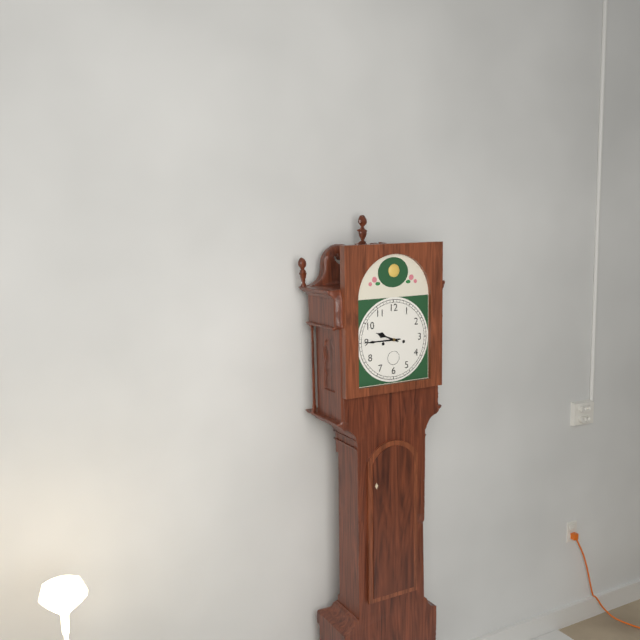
9:45
